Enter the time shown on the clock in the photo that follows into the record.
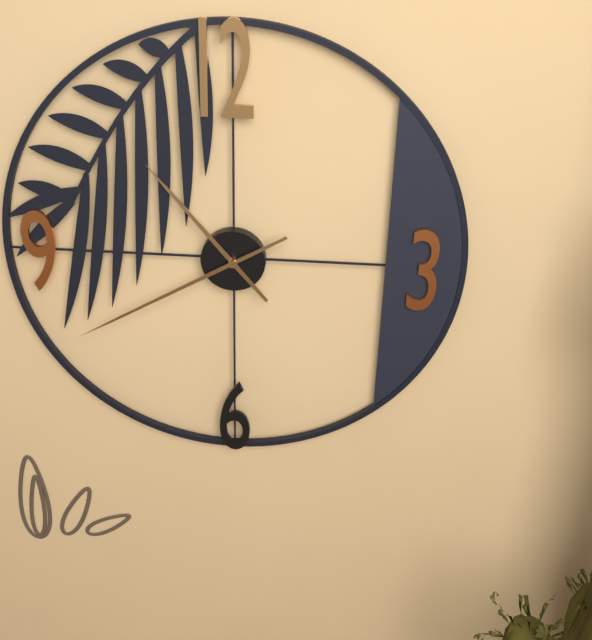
10:40
